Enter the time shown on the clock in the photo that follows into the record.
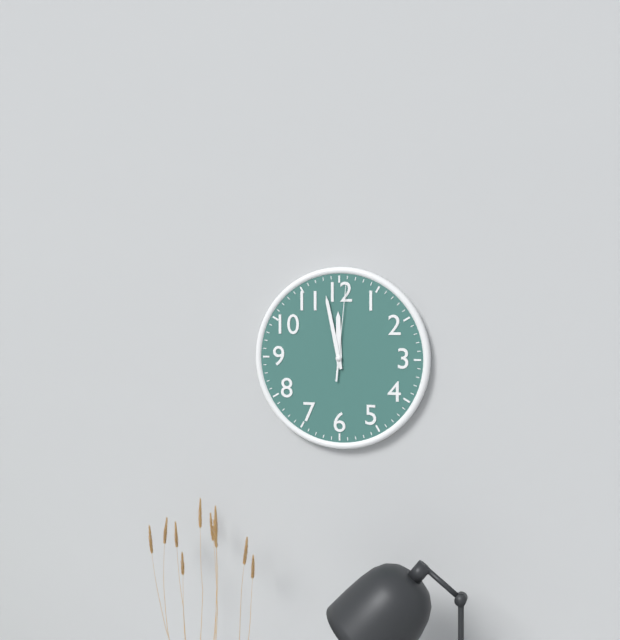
11:58:01
